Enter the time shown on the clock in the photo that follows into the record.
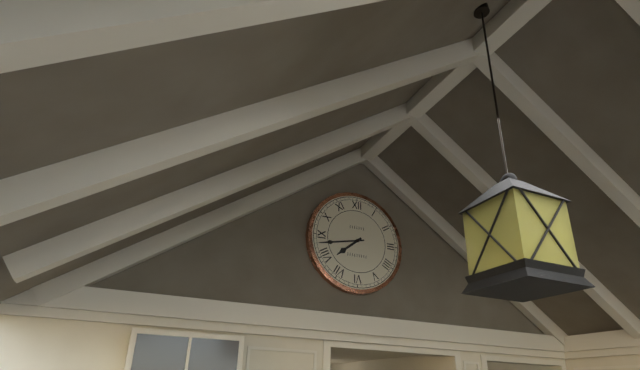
7:43
